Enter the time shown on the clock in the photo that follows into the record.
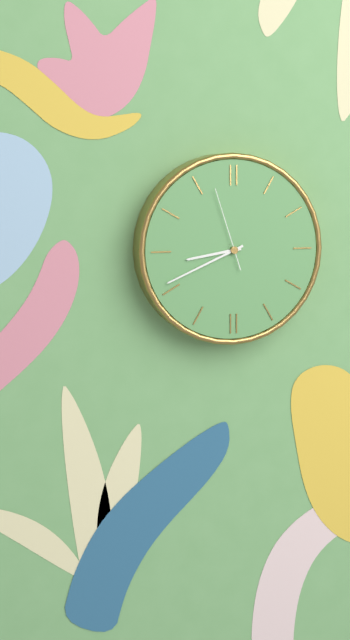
8:41:57
